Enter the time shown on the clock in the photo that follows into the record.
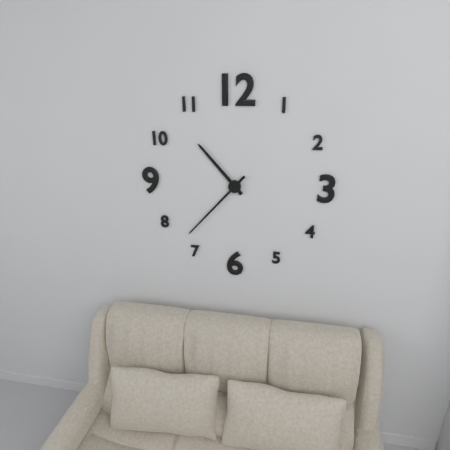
10:37
